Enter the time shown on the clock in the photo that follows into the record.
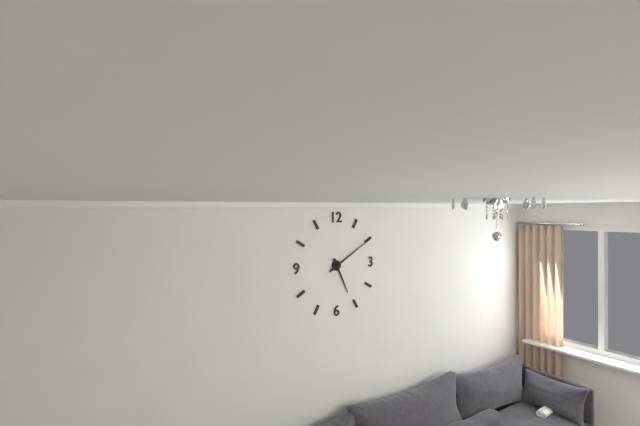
5:10
